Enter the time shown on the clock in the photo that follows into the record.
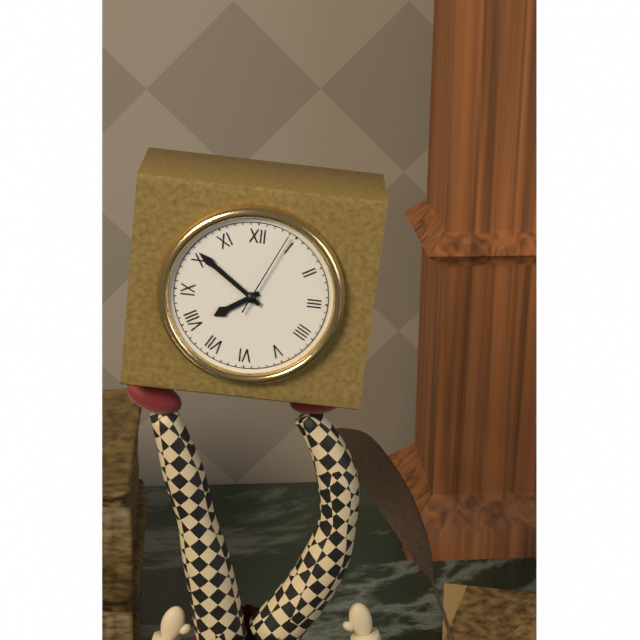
7:51:04
